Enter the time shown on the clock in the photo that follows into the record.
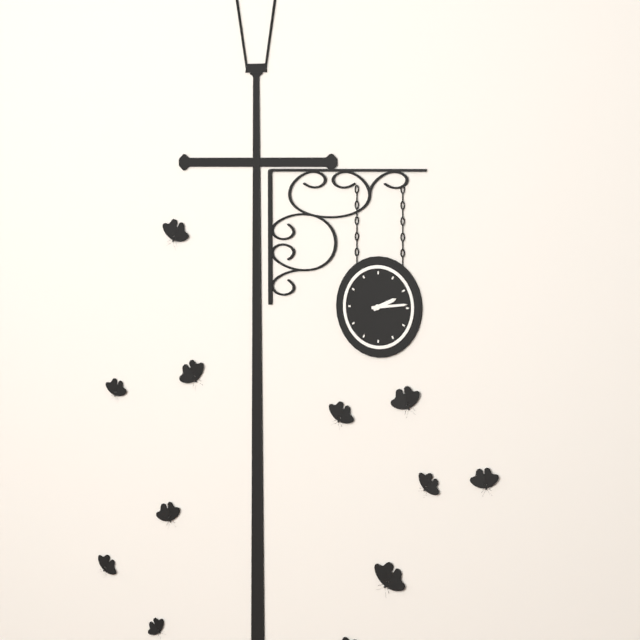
2:14
